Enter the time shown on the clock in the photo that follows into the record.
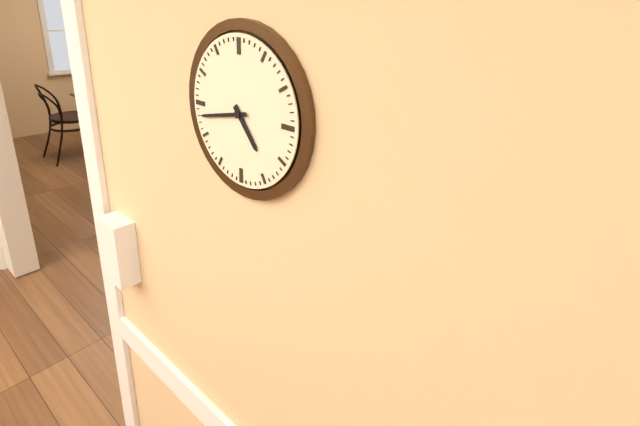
4:43
